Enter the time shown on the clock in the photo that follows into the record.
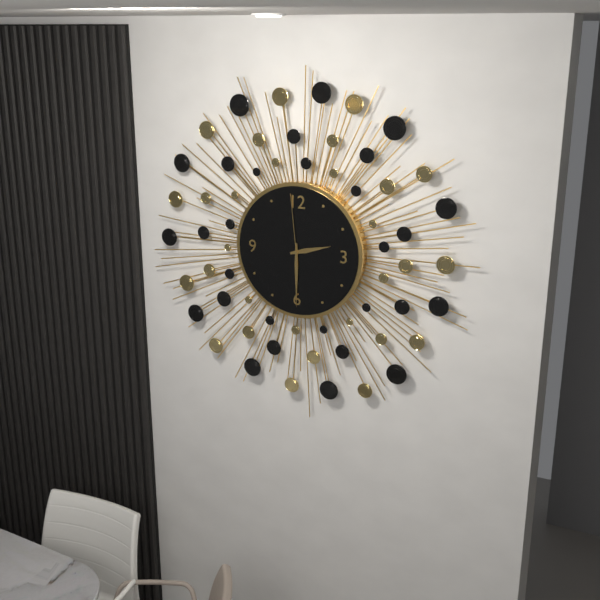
2:30:59
